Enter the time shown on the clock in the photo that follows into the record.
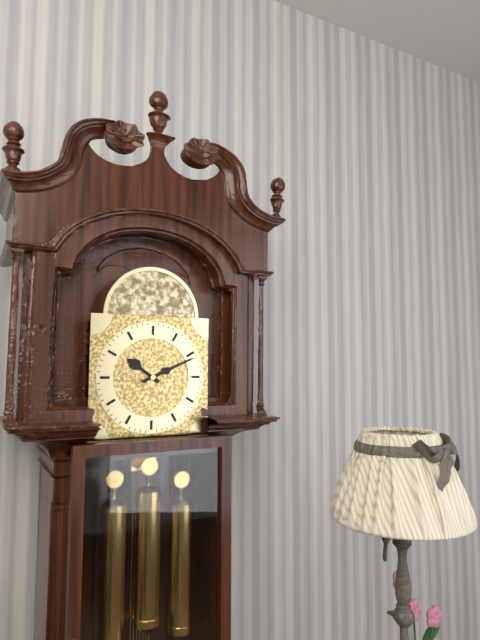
10:11
